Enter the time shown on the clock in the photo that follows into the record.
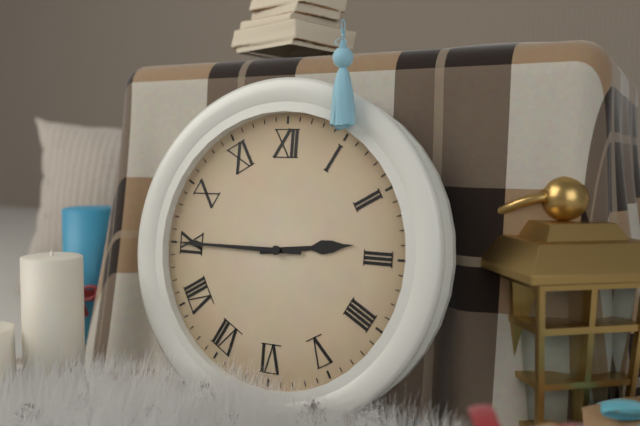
2:45
